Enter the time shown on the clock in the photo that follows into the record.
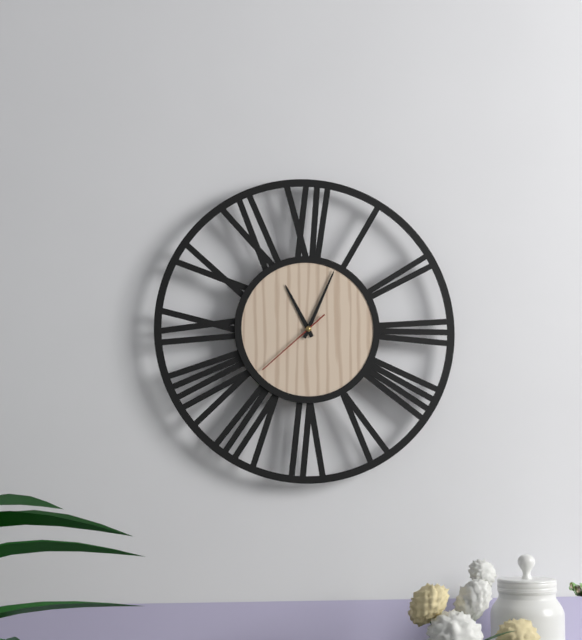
11:04:38
